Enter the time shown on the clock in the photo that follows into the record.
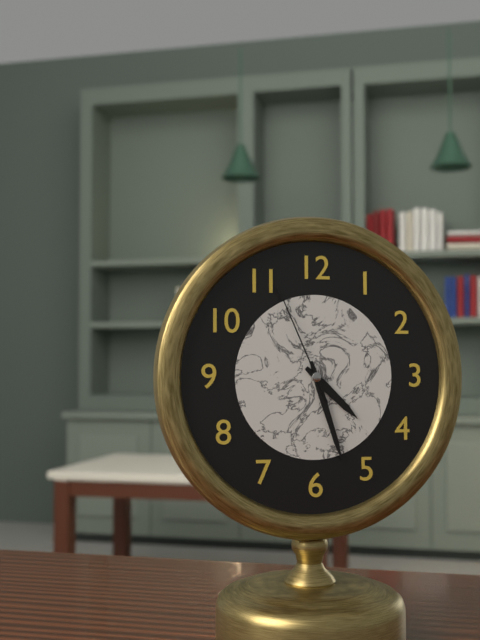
4:27:56
